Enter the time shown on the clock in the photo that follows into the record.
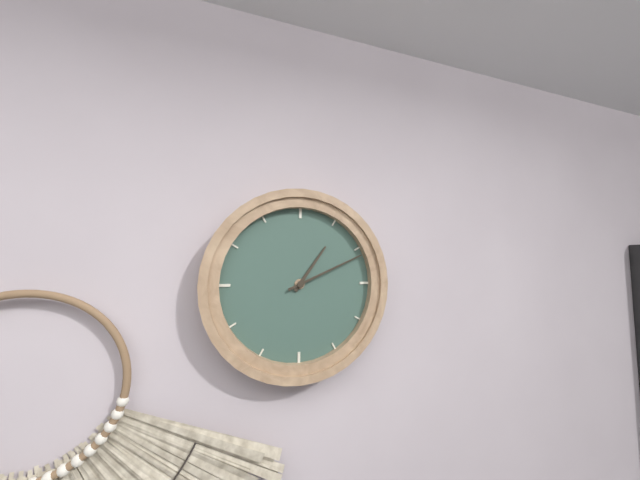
1:11
